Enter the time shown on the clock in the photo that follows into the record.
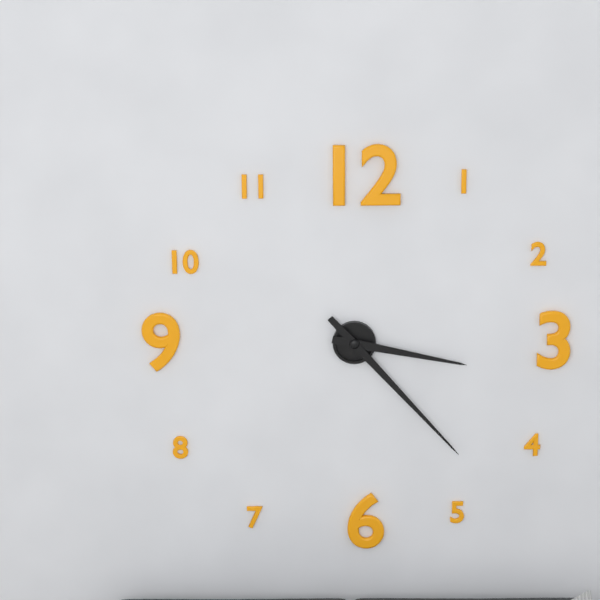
3:23
